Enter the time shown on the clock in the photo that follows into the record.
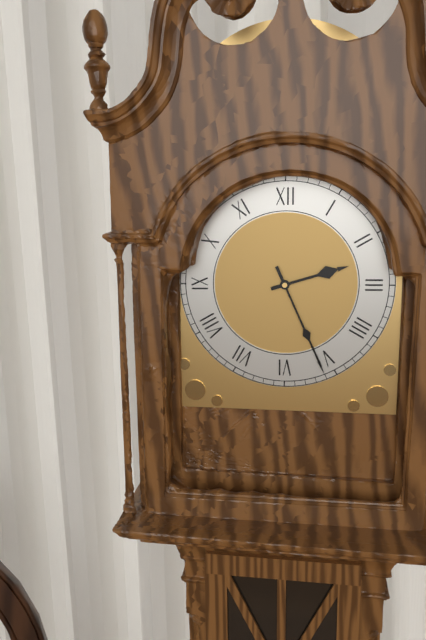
2:26
